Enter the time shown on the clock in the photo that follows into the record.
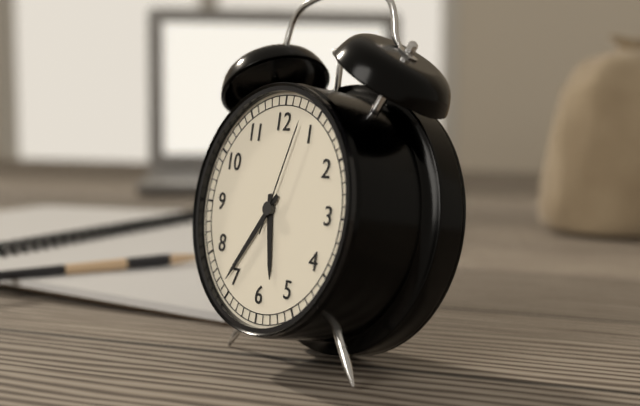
5:36:03
